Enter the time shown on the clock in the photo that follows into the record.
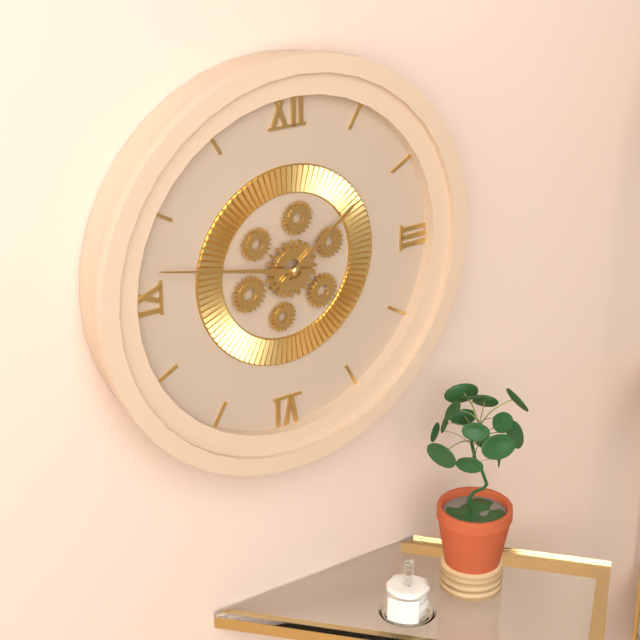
1:47
